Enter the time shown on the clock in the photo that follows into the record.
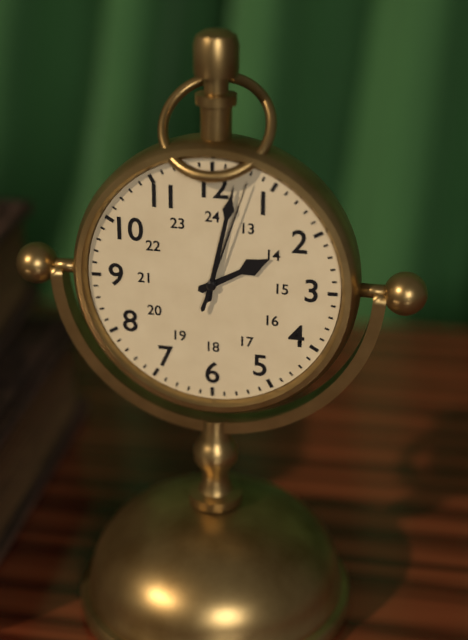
2:02:03
